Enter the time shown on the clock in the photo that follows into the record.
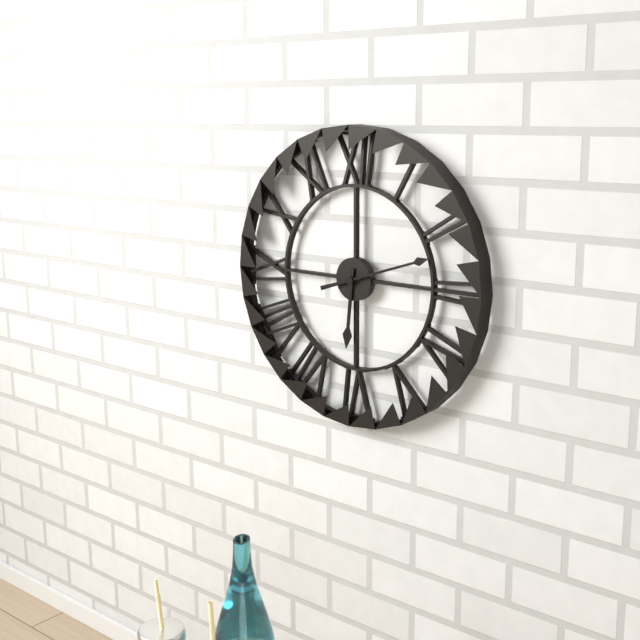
6:12
